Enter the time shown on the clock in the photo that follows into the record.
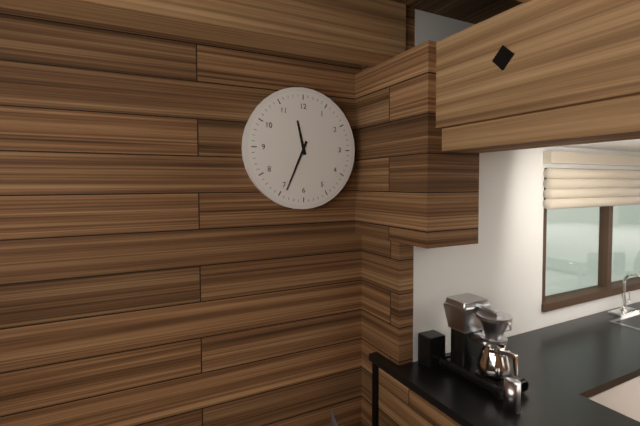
11:34
